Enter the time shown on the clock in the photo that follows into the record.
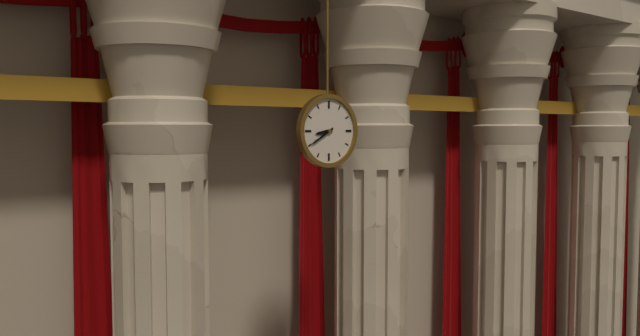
8:40
